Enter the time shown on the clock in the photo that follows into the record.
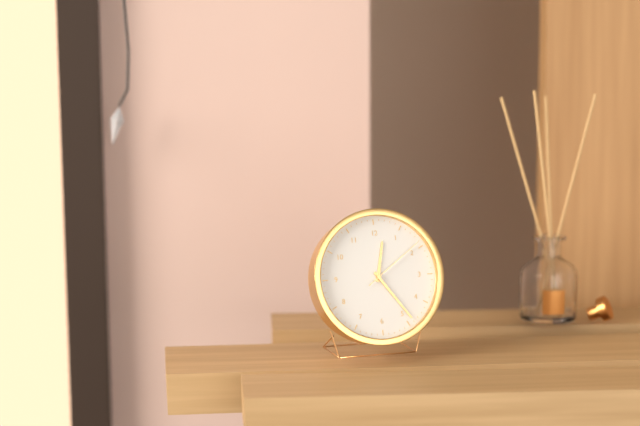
12:24:09
